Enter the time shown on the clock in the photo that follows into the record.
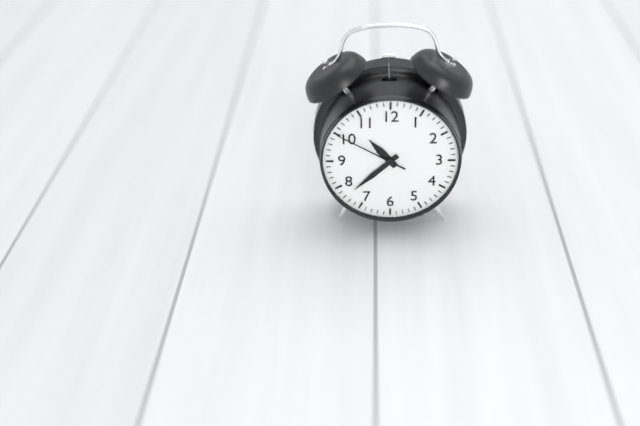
10:38:50
